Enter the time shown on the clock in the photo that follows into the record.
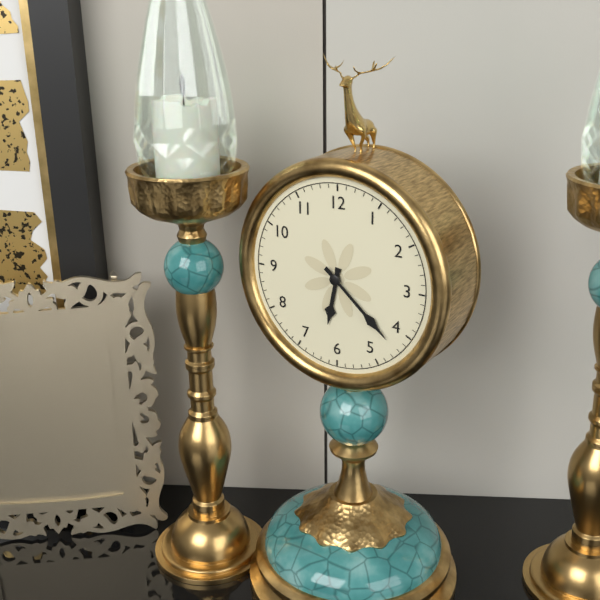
6:22
